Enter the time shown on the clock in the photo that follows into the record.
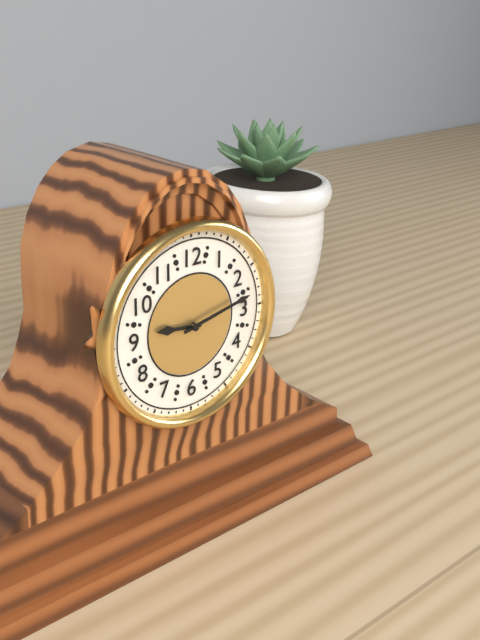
9:13
